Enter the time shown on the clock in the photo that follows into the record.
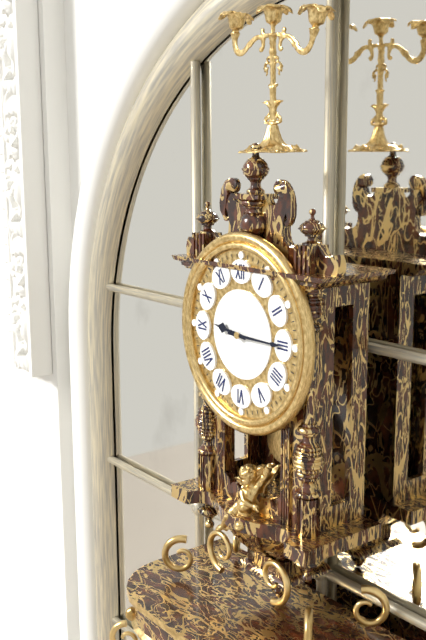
9:15
